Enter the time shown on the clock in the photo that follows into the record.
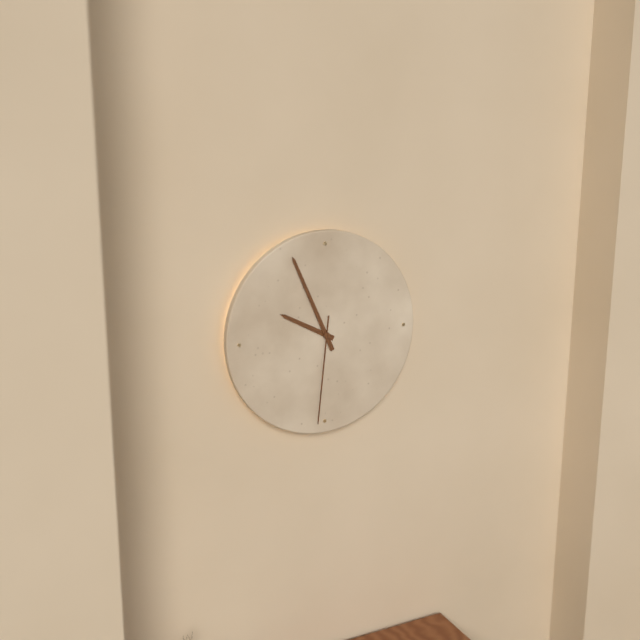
9:56:31
